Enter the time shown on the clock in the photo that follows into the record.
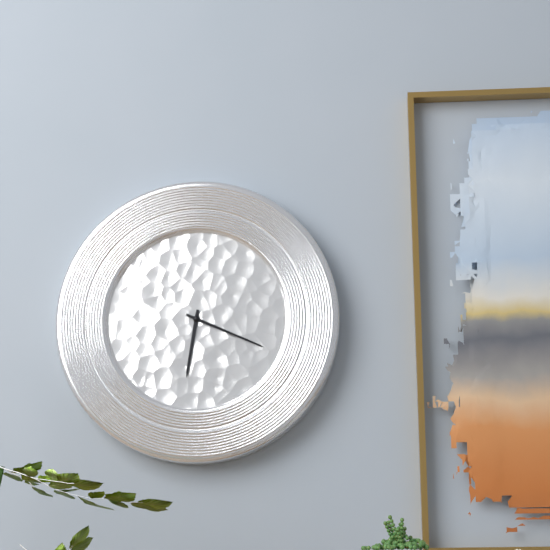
6:19
